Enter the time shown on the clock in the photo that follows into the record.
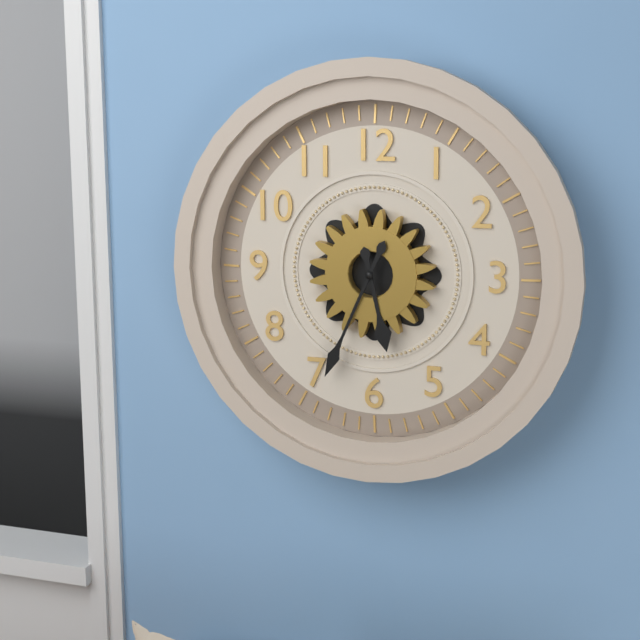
5:34
